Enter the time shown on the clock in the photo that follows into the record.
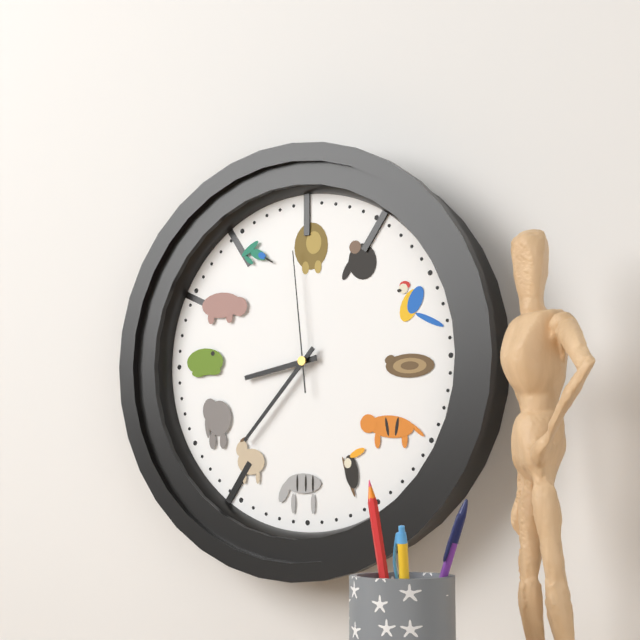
8:37:59
